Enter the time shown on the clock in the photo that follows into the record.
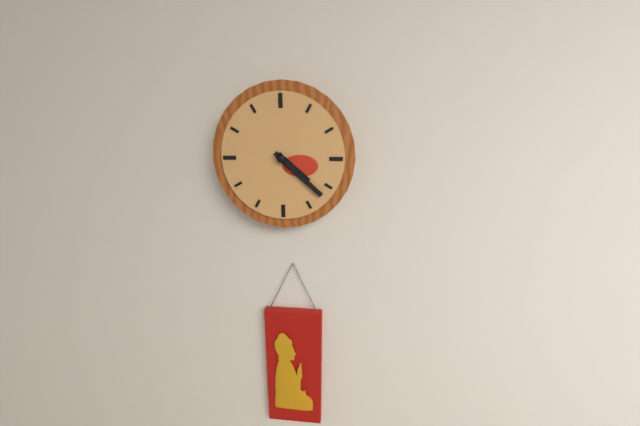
4:22
